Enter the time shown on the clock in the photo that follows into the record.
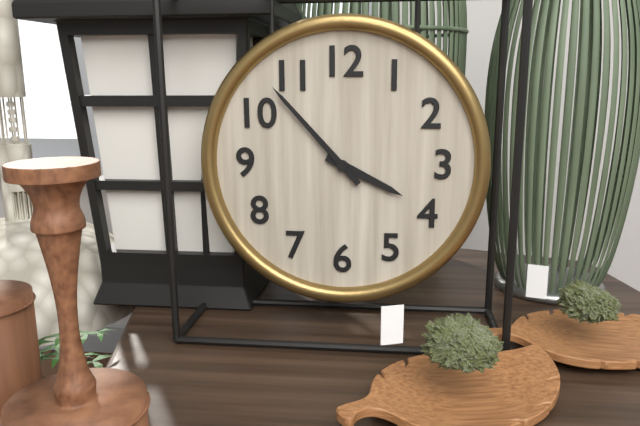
3:53
